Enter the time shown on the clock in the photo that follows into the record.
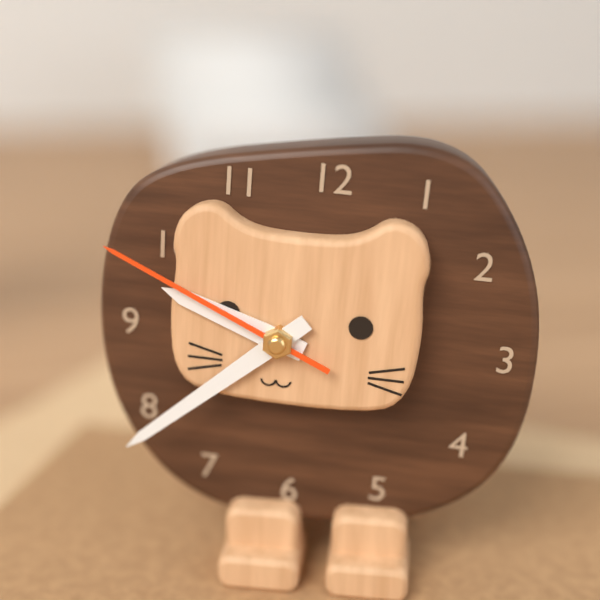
9:38:49
